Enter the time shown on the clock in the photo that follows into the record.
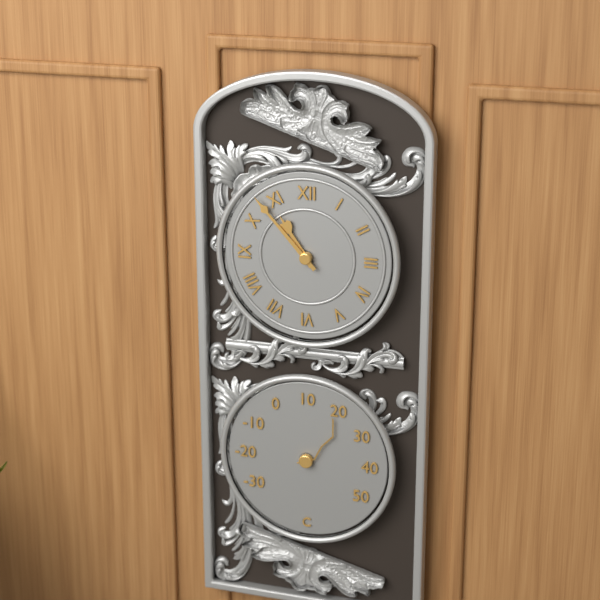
10:53
